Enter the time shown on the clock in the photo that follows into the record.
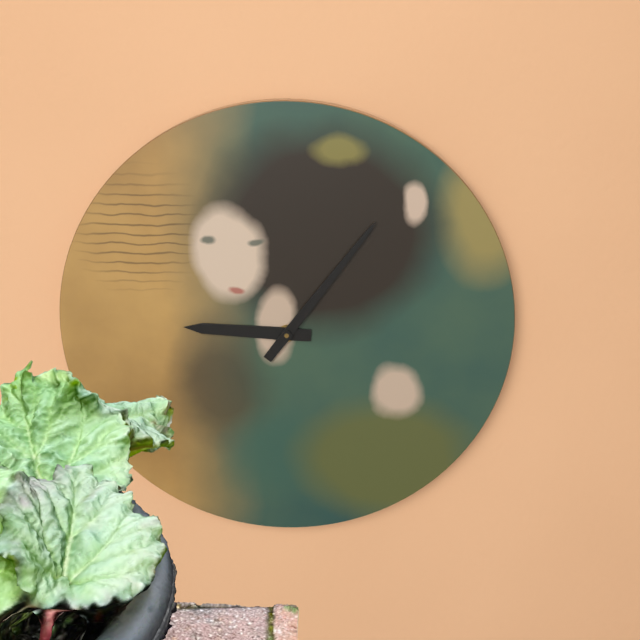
9:06
